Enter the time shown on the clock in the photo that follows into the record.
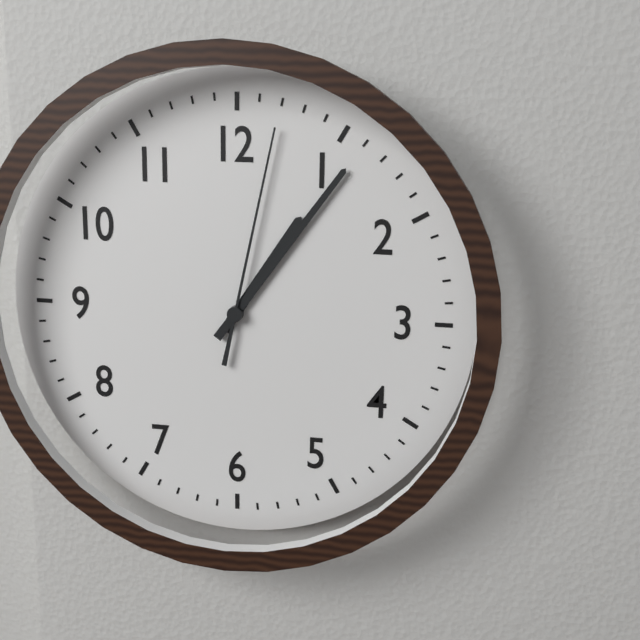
1:06:02
